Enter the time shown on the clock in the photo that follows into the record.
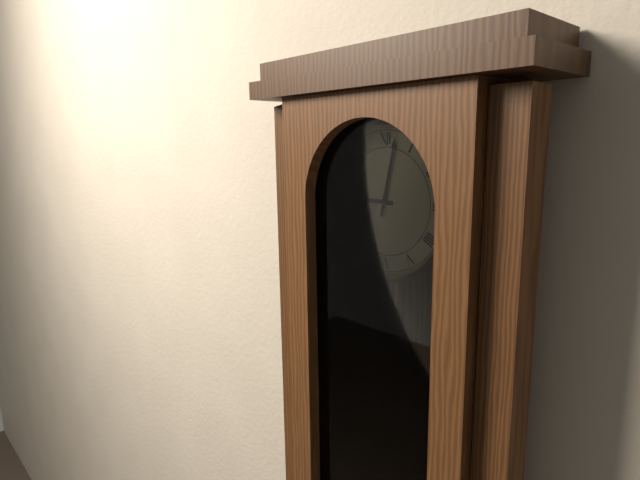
9:02
